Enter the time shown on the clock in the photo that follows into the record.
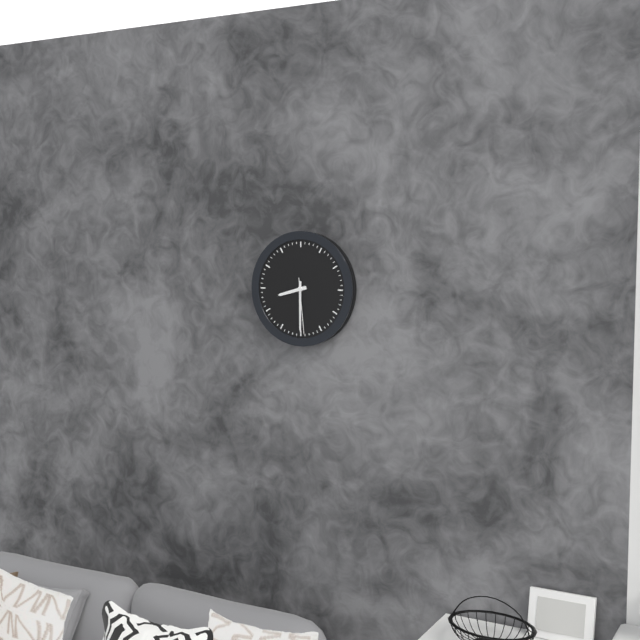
8:30:29
